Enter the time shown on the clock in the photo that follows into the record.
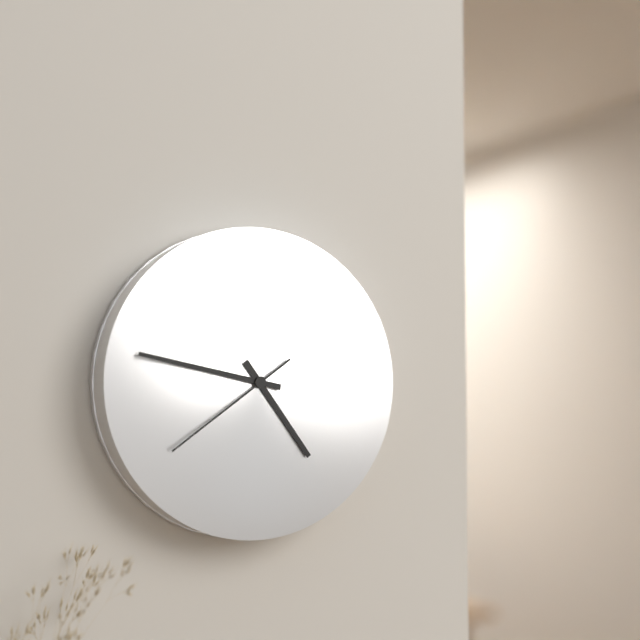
4:47:39
